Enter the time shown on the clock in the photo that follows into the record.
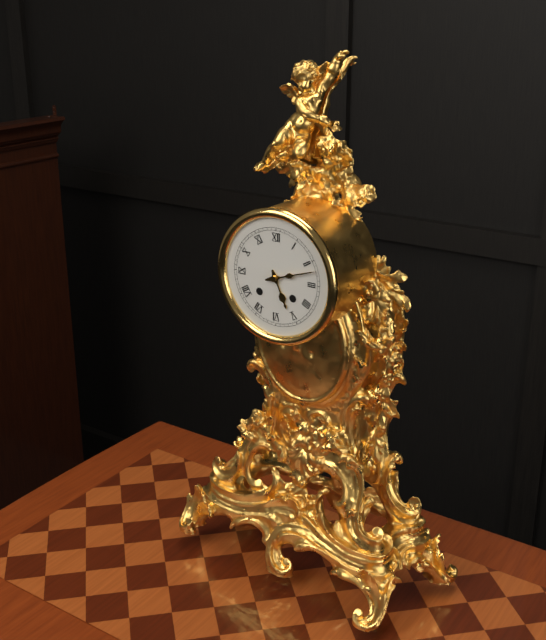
5:12
